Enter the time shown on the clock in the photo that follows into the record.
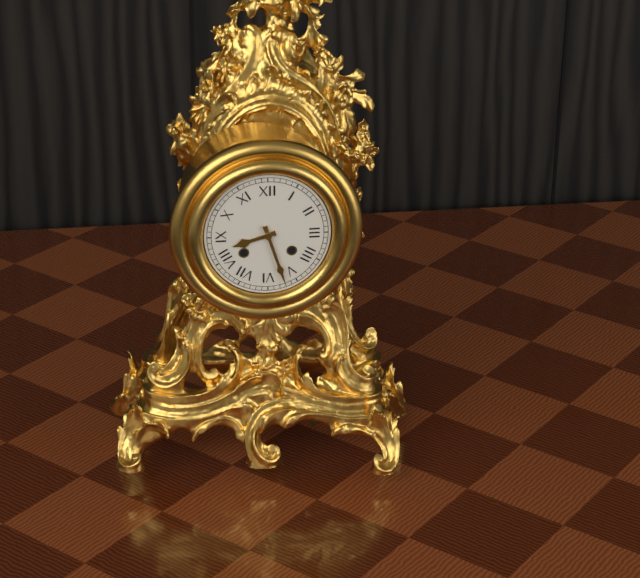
8:27
